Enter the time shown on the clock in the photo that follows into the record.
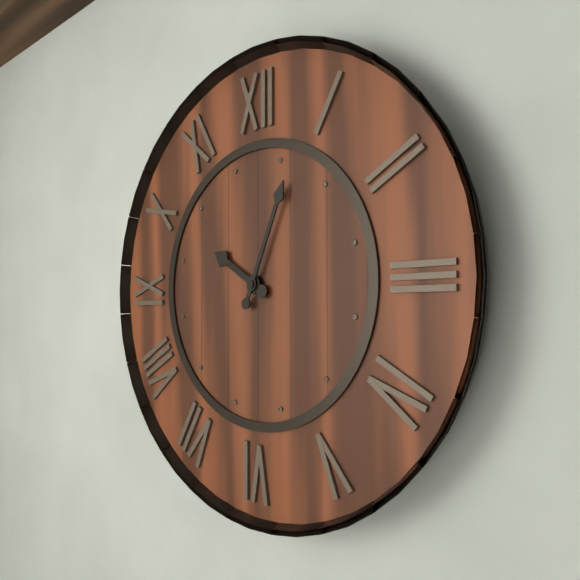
10:04
